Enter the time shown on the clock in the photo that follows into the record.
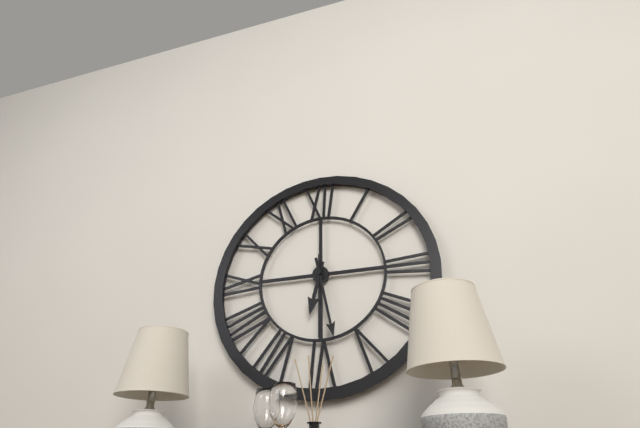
6:28:30
